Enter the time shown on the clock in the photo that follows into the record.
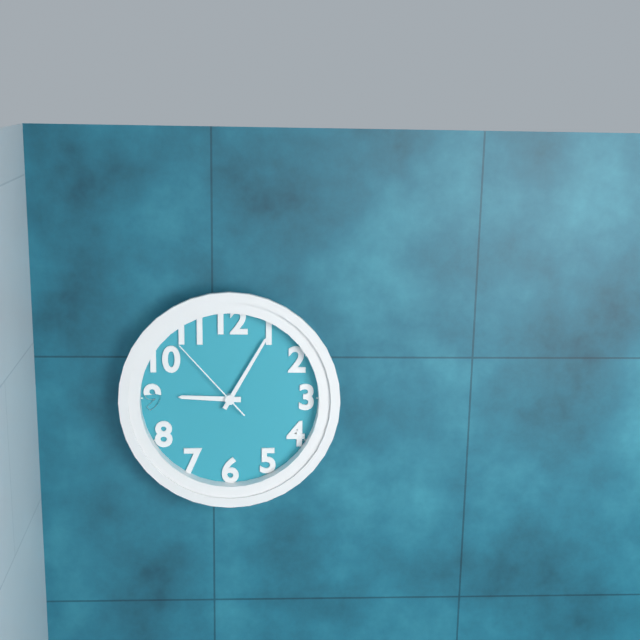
9:05:53
